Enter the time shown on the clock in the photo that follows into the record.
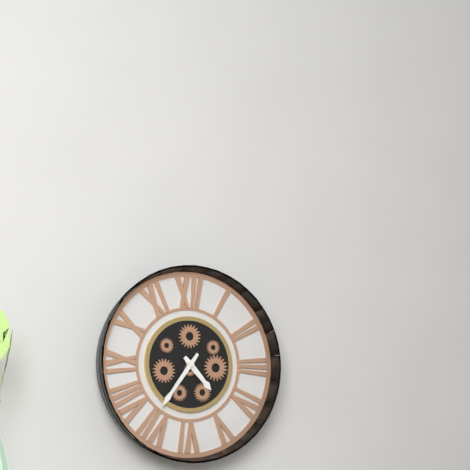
4:36
